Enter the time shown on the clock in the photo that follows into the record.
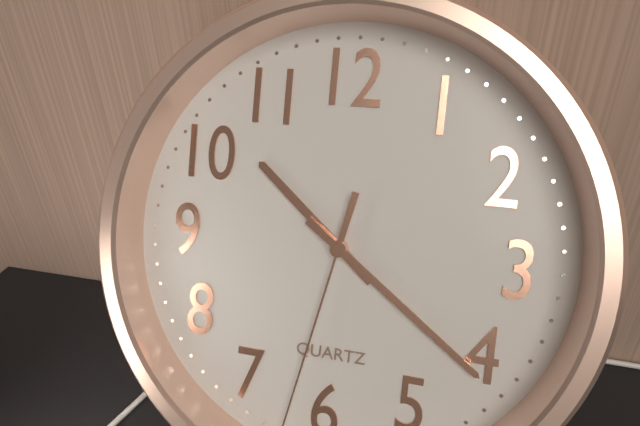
10:21
